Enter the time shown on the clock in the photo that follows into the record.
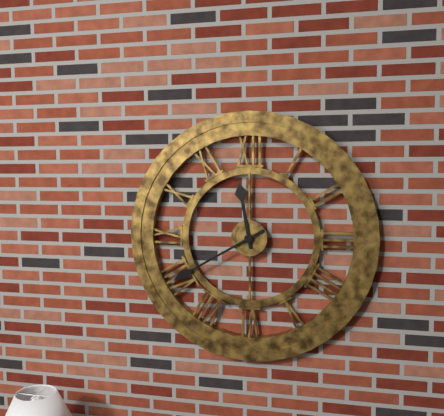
11:40
